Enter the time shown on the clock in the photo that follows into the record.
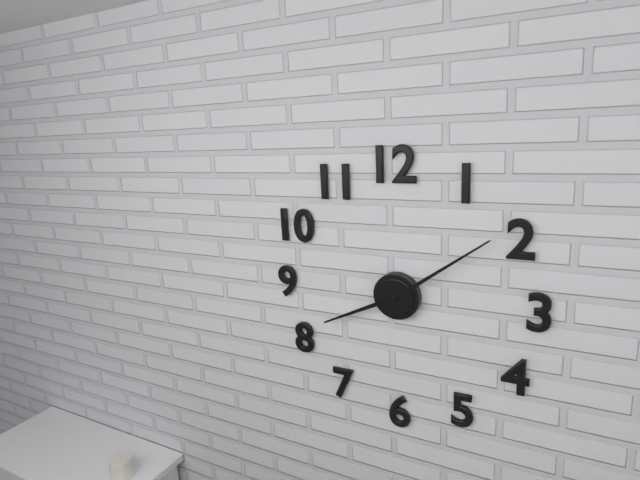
8:09
